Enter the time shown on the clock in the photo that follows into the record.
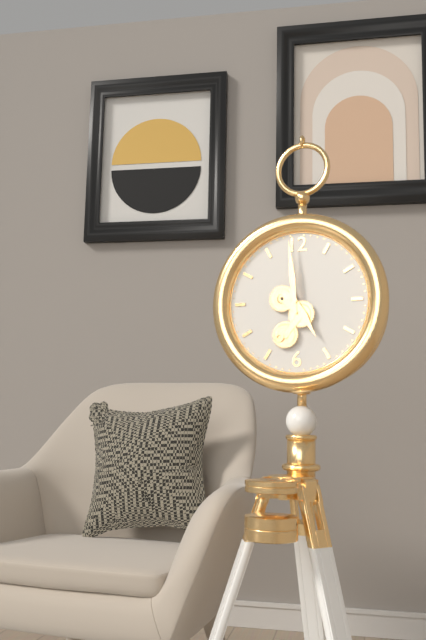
4:59
